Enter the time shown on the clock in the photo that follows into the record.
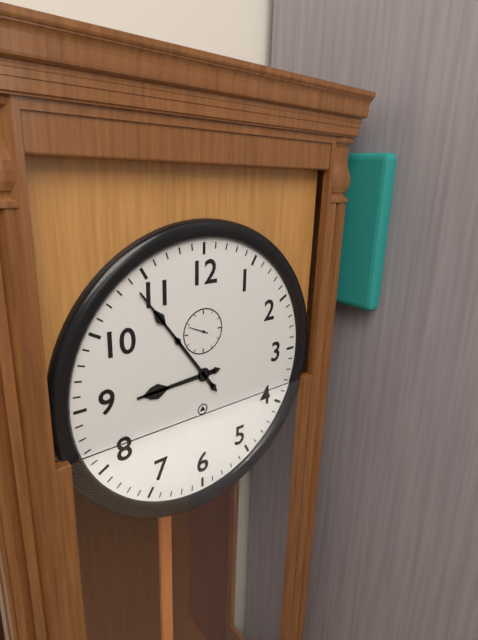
8:54
